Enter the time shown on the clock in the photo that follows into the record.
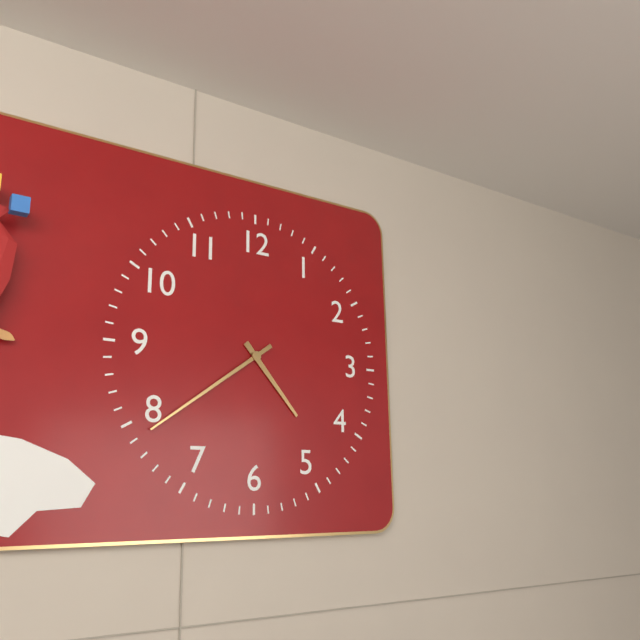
4:39
